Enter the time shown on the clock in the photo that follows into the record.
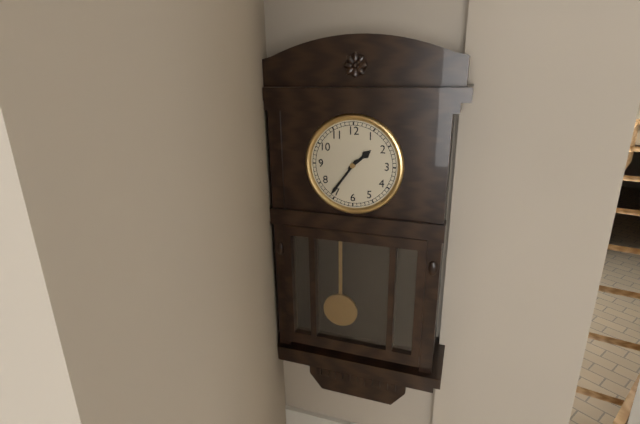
1:36
